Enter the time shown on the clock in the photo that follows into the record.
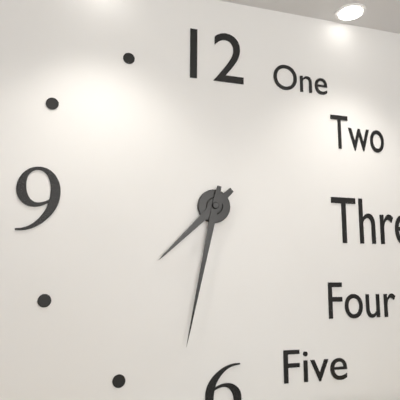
7:32
